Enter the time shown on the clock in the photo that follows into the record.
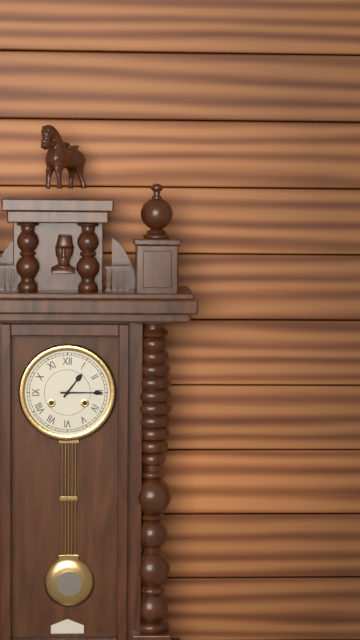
1:15
